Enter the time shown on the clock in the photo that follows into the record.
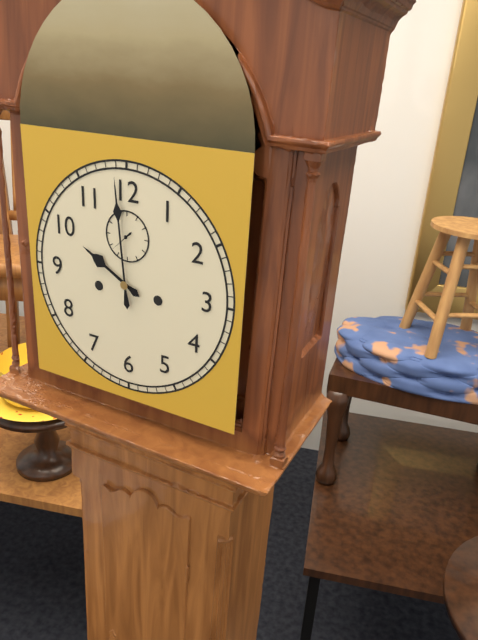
9:59
